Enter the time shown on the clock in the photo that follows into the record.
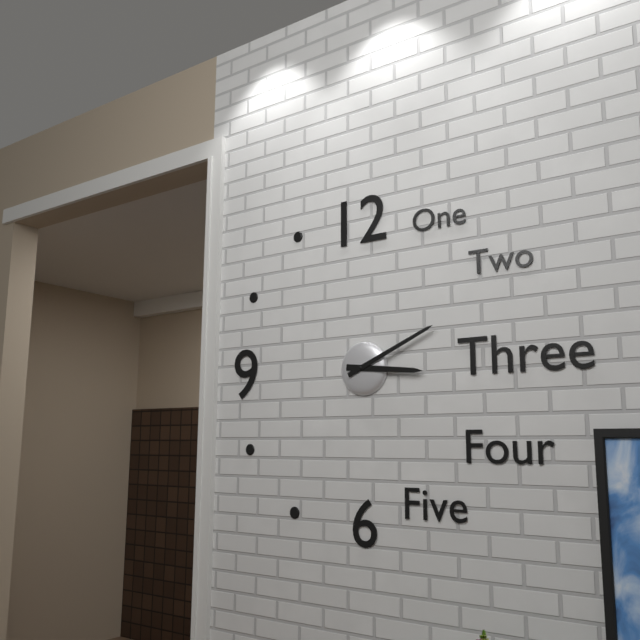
3:11
